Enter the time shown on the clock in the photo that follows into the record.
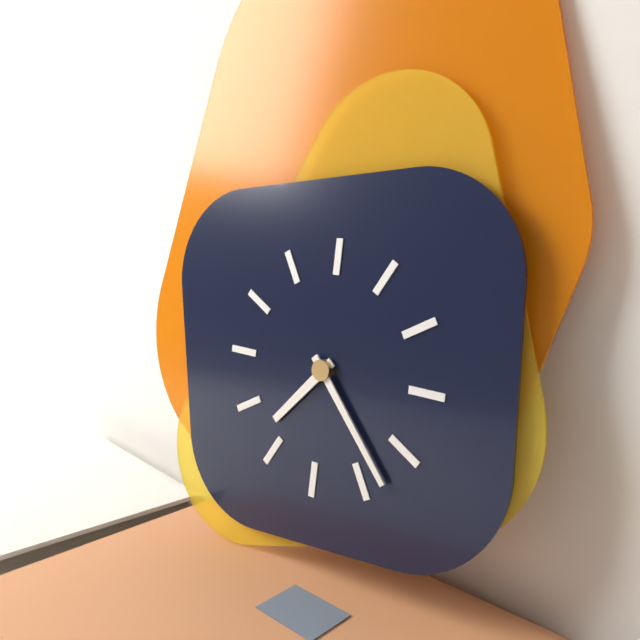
7:23
